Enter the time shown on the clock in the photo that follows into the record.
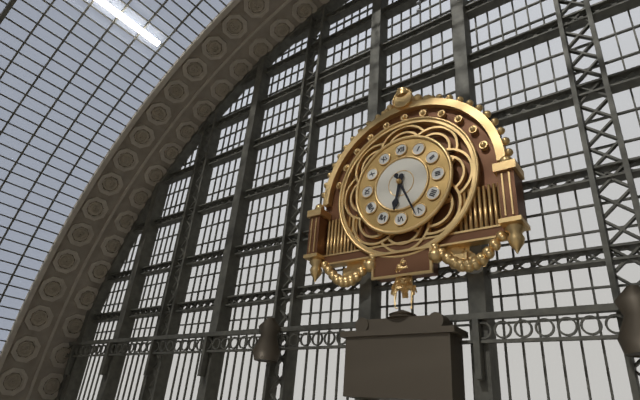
6:26
